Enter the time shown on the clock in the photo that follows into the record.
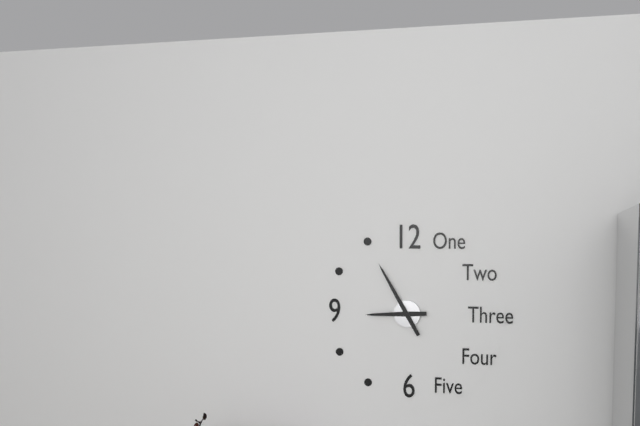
8:55
